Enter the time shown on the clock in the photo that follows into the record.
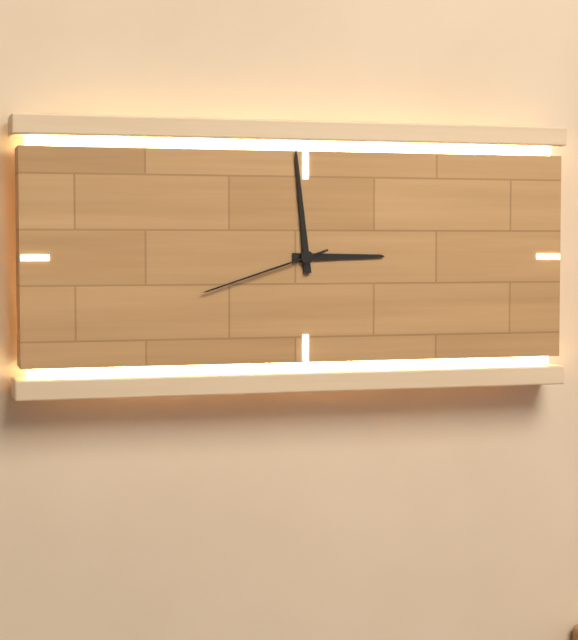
2:59:42
